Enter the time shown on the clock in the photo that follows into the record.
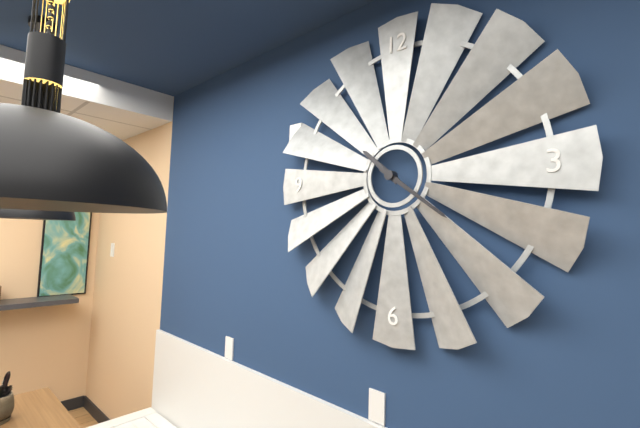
10:21
